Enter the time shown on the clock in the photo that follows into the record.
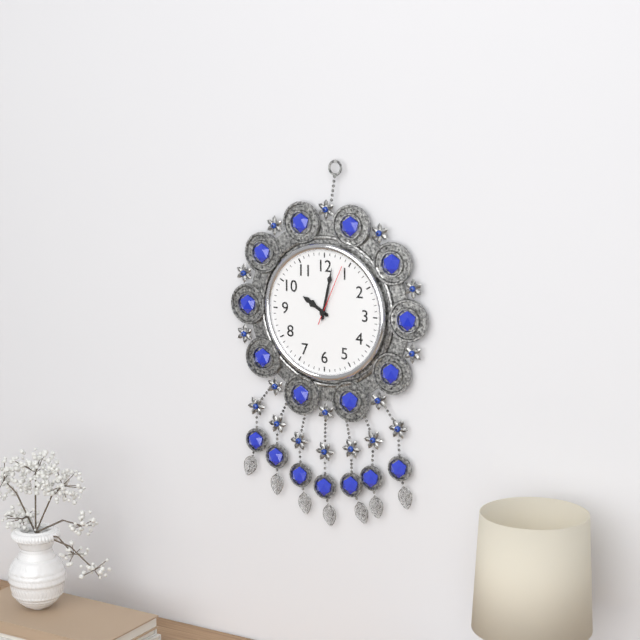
10:02:04
